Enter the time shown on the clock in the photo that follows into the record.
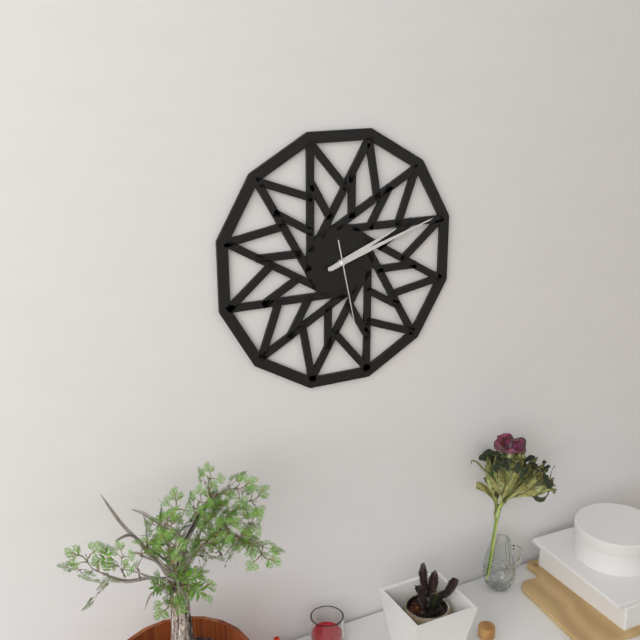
2:12:28
